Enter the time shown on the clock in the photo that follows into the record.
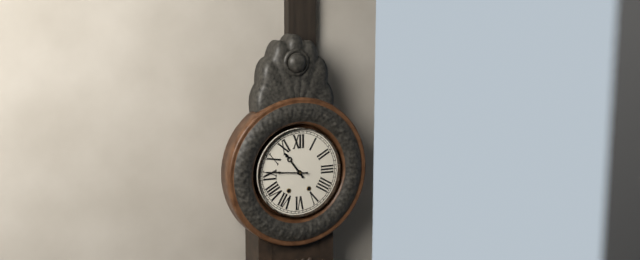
10:46
